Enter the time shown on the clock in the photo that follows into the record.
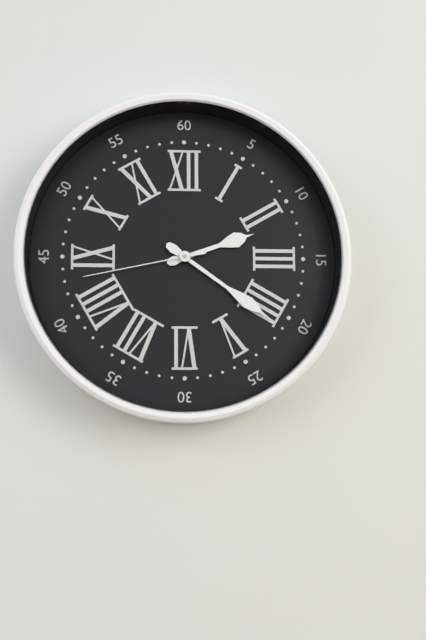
2:21:43
